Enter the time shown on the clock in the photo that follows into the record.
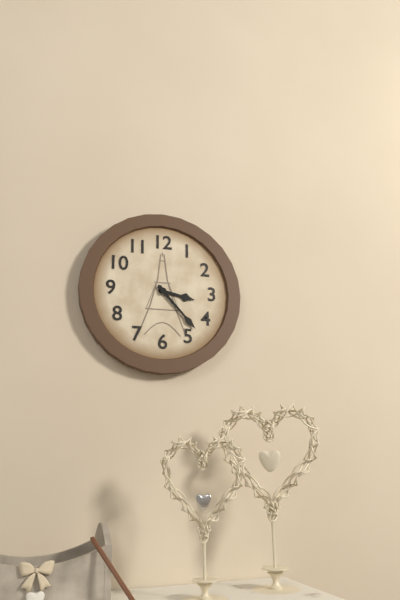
3:23
